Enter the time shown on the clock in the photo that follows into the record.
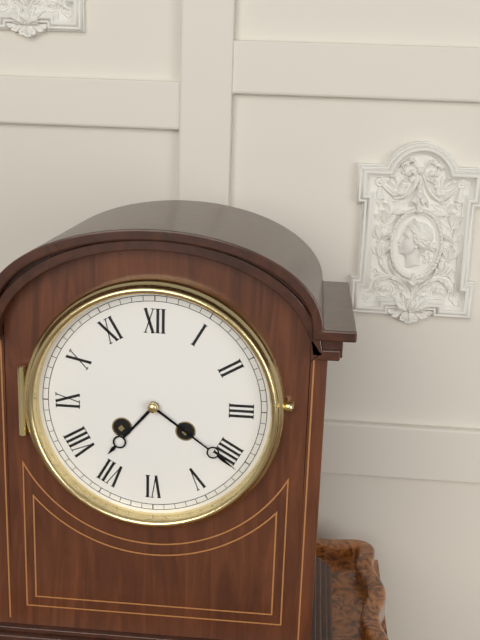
7:21
